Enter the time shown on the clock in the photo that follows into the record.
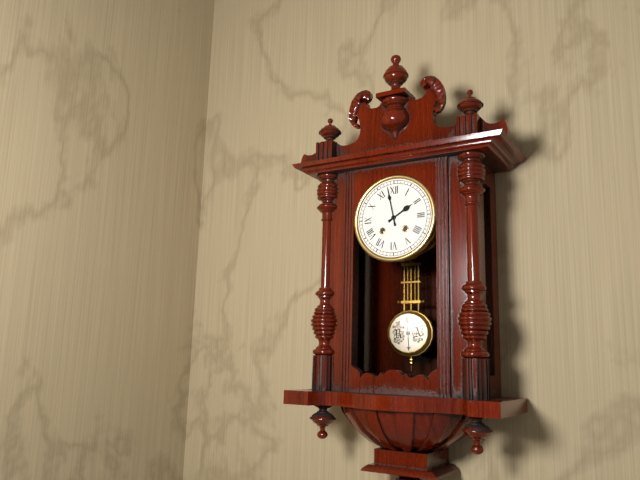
1:58
